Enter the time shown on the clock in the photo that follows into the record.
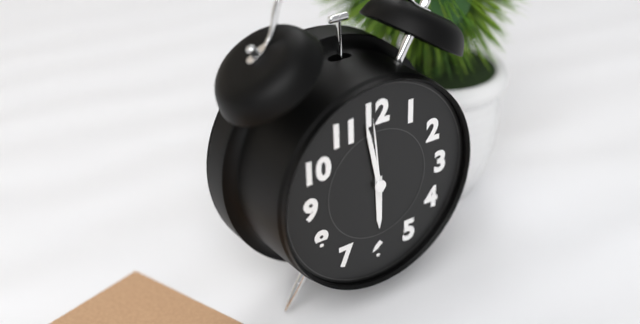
5:58:59
